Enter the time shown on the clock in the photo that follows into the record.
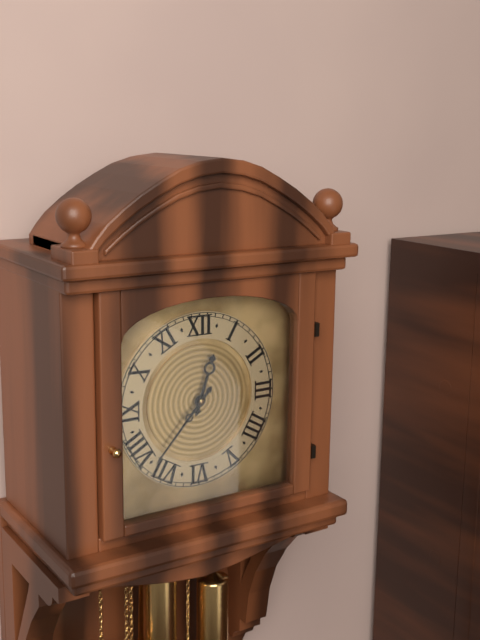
12:37
